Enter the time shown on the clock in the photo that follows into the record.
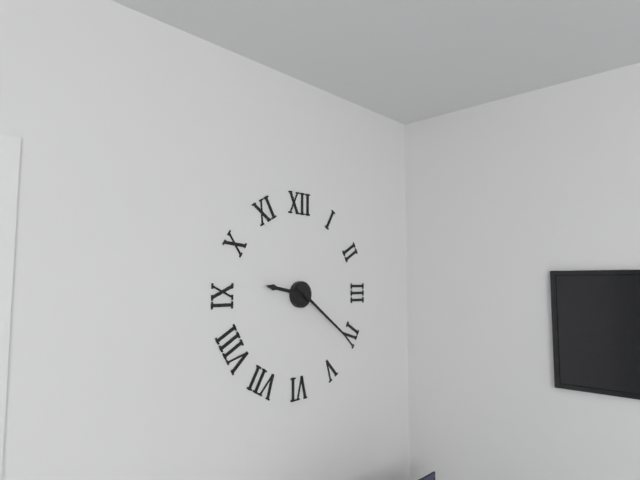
9:21
